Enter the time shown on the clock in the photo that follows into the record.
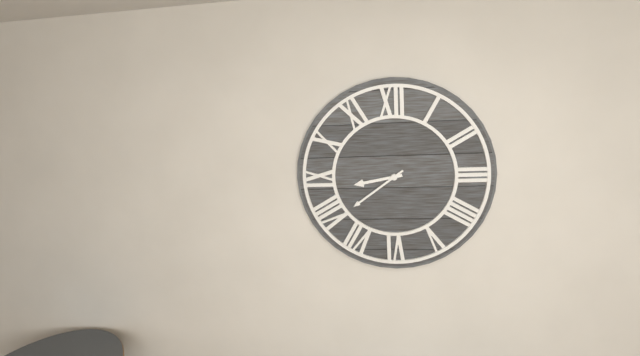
8:39
